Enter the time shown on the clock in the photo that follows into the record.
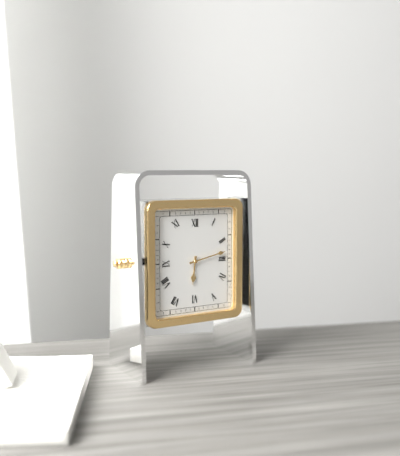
6:13
